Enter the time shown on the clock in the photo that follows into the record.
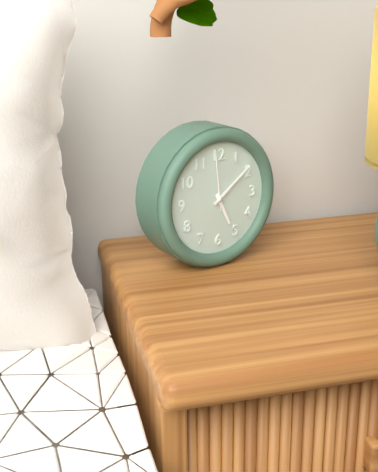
5:09:59
